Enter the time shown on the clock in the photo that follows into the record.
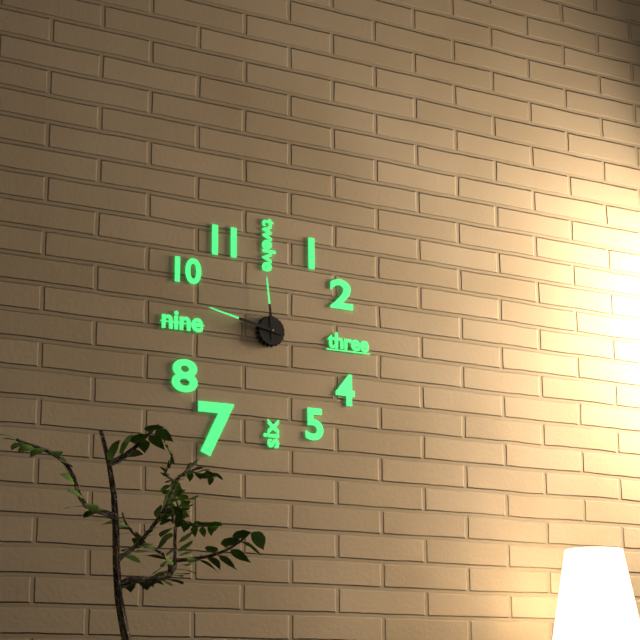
11:47
